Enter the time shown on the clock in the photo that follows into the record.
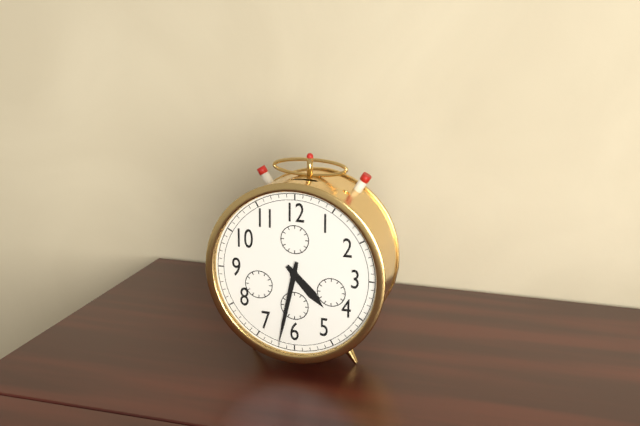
4:32
